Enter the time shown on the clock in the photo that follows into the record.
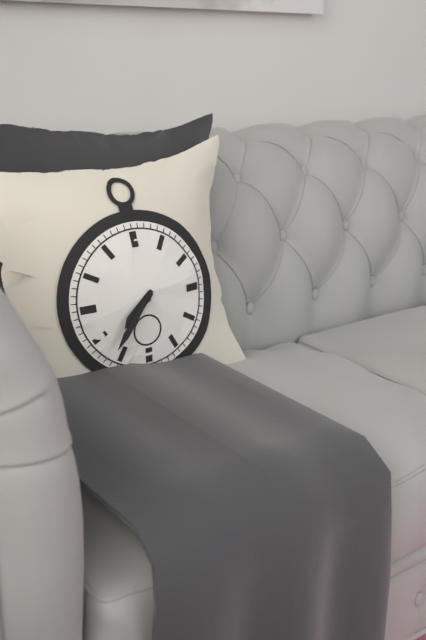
7:37
